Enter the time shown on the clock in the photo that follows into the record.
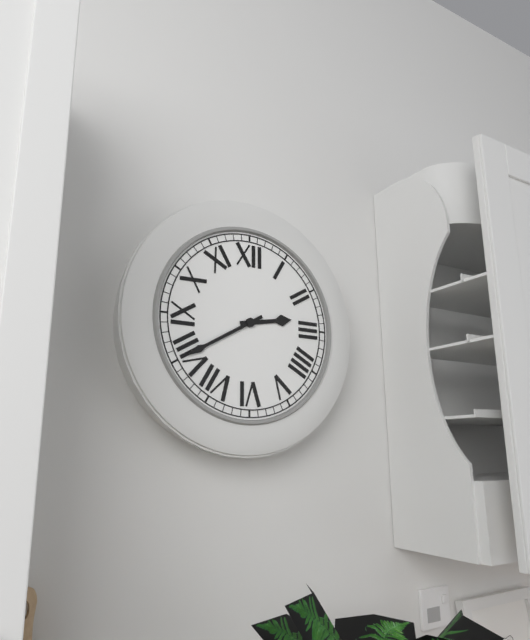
2:40
